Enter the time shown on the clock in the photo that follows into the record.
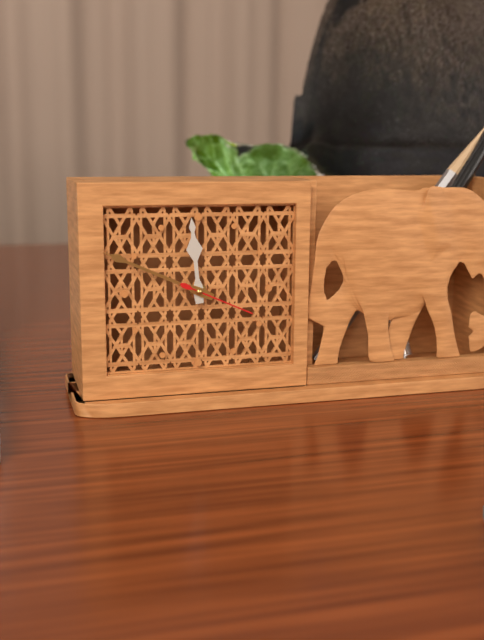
11:49:19
